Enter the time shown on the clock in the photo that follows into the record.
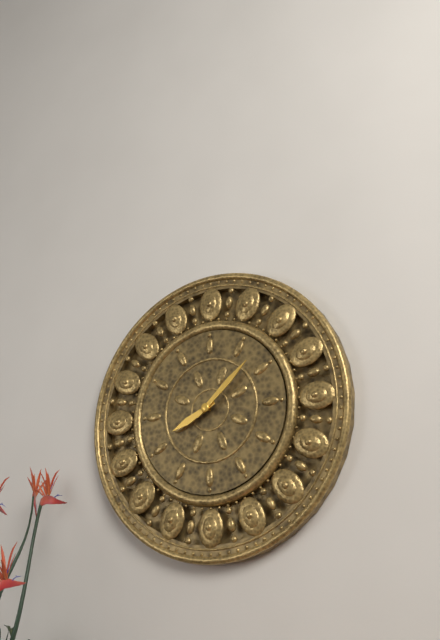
8:08
